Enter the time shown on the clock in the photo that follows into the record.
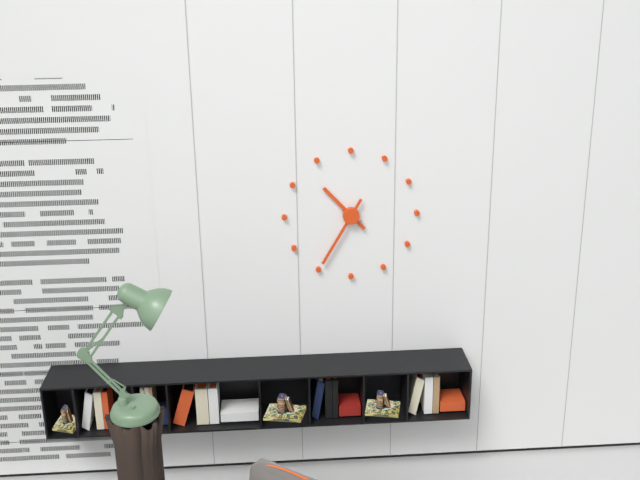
10:35
